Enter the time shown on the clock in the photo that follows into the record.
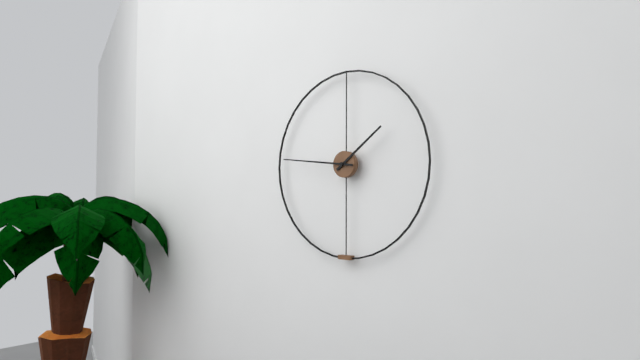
1:46
